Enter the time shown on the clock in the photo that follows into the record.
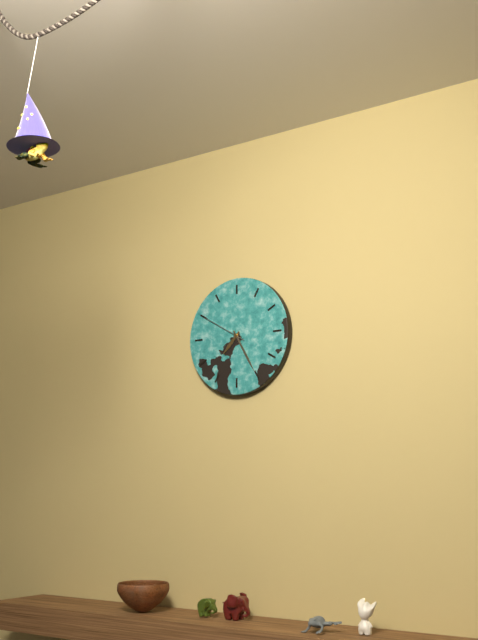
7:25:50
